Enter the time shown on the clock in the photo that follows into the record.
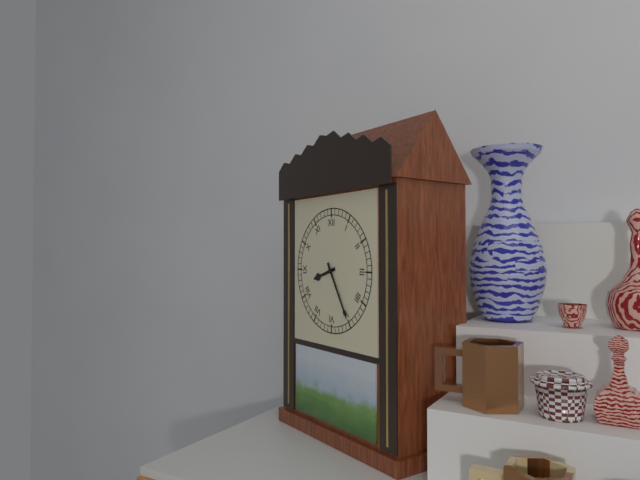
8:25
